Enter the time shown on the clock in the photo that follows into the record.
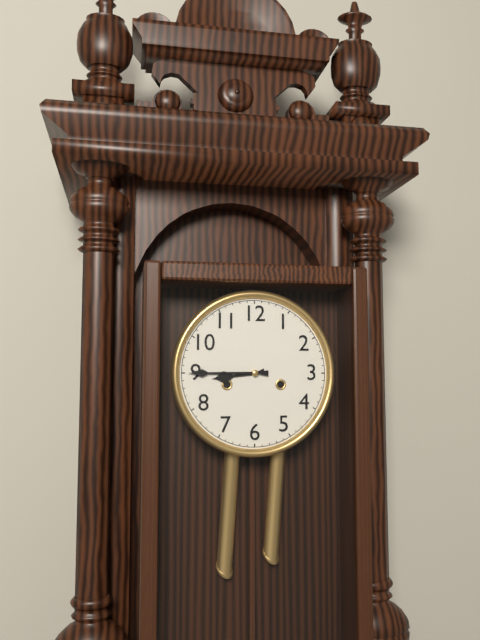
8:45
